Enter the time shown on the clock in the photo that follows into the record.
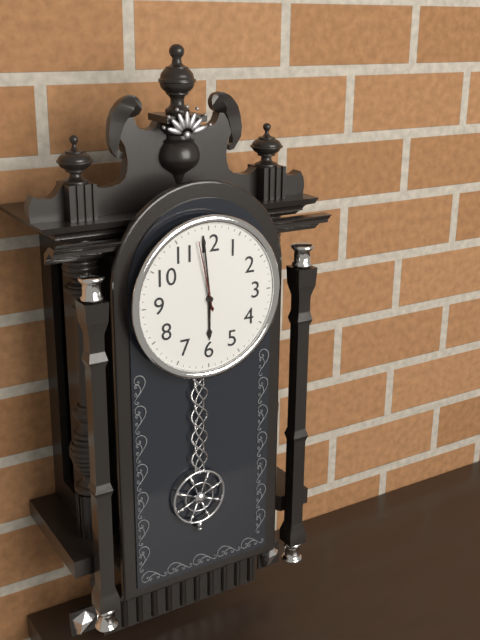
5:59:58
